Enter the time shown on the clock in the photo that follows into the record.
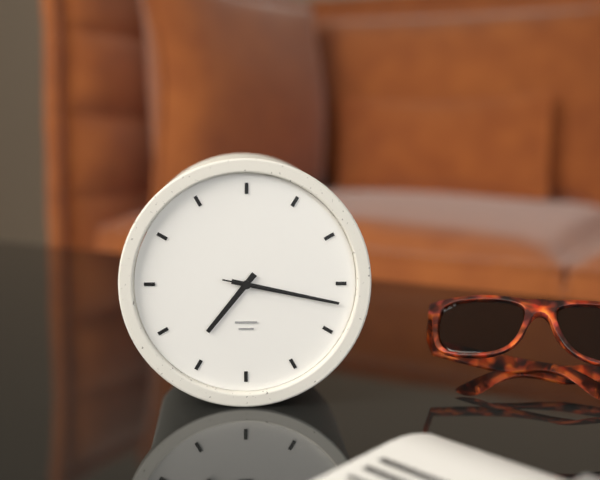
7:17:17
